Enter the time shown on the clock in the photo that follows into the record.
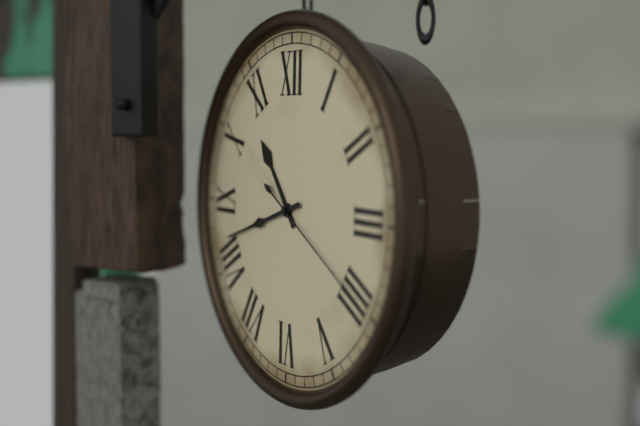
10:42:20
